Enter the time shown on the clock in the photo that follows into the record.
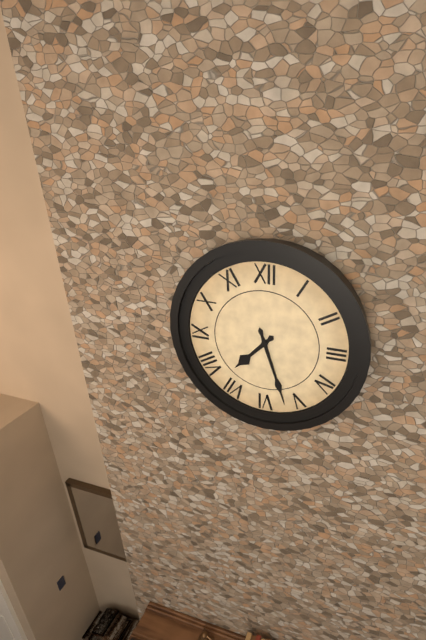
7:27
